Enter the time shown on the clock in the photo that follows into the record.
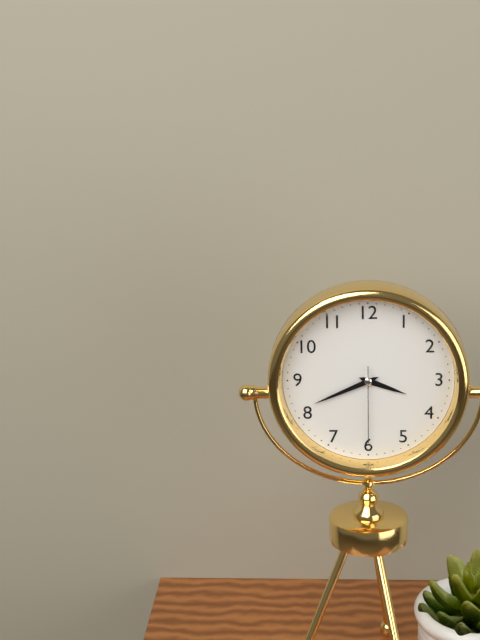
3:41:30
